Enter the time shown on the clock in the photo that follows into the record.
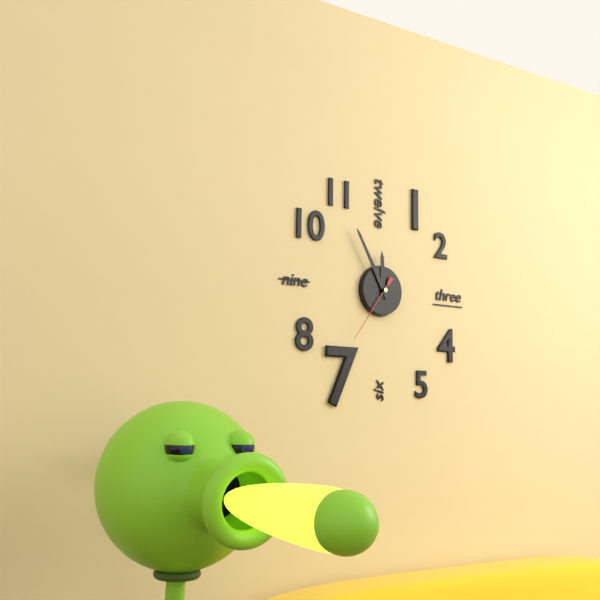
11:55:36
